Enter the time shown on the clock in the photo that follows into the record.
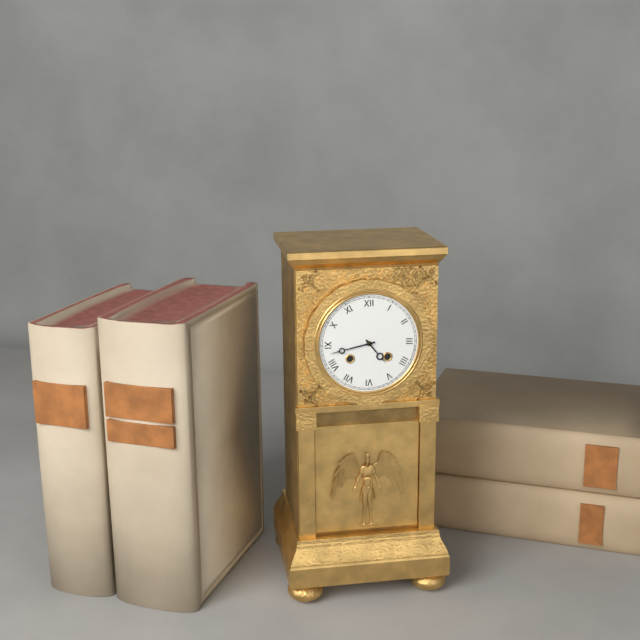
4:43
